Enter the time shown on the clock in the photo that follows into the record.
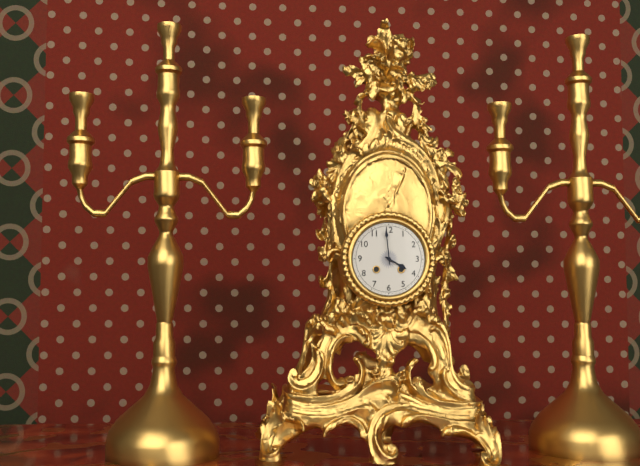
3:59
